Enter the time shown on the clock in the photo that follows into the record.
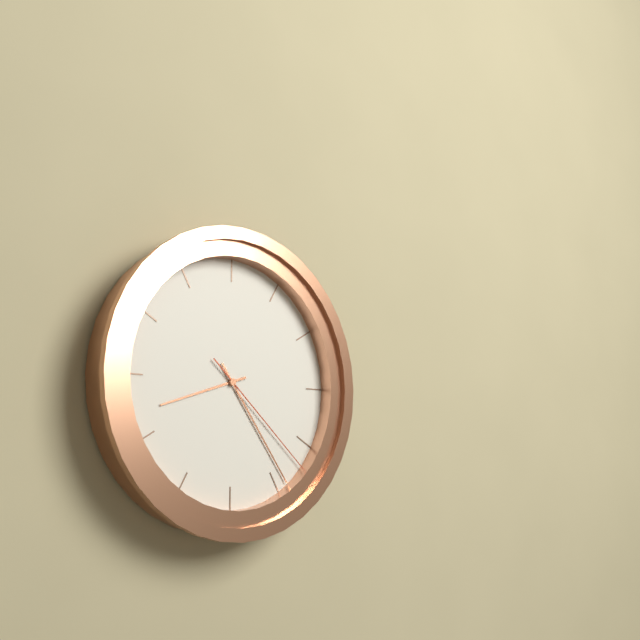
8:24:22
